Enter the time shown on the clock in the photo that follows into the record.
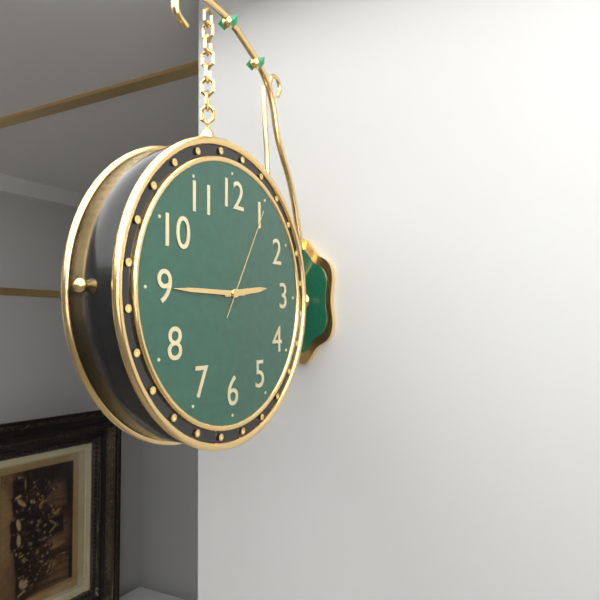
2:45:05
